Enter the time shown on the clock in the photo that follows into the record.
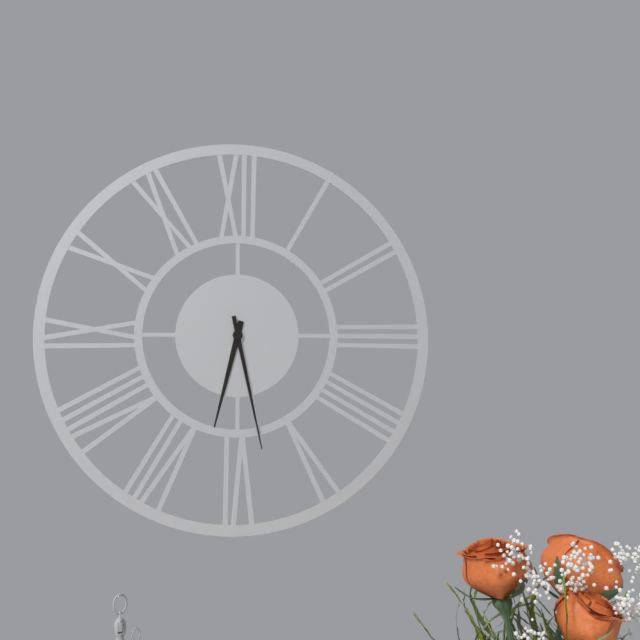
6:28
